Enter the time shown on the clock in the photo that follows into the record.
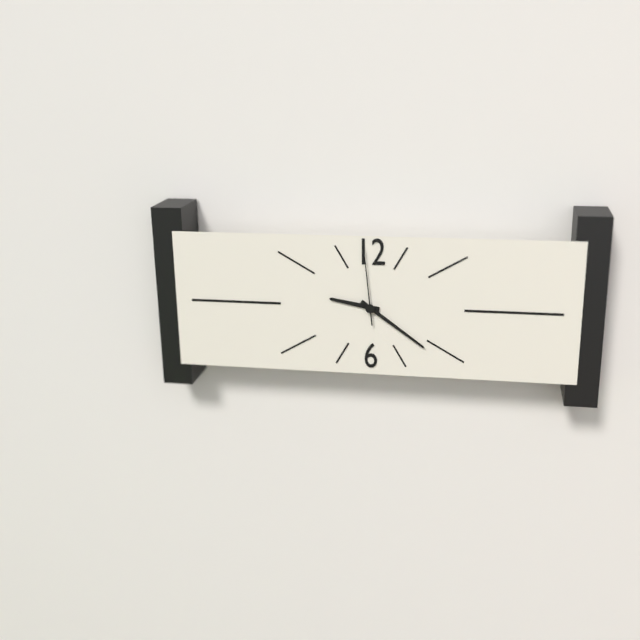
9:21:59
